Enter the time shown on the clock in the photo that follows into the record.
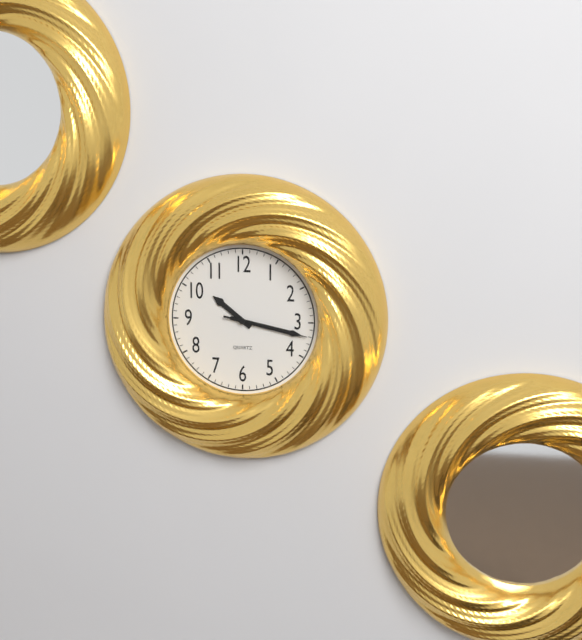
10:17:17
